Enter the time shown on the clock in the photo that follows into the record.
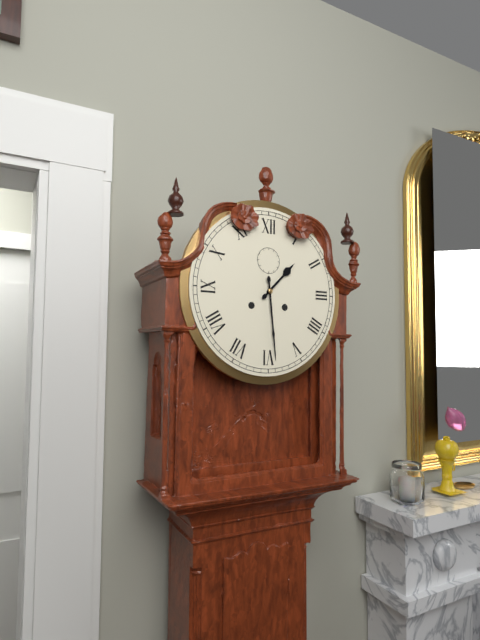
1:29
